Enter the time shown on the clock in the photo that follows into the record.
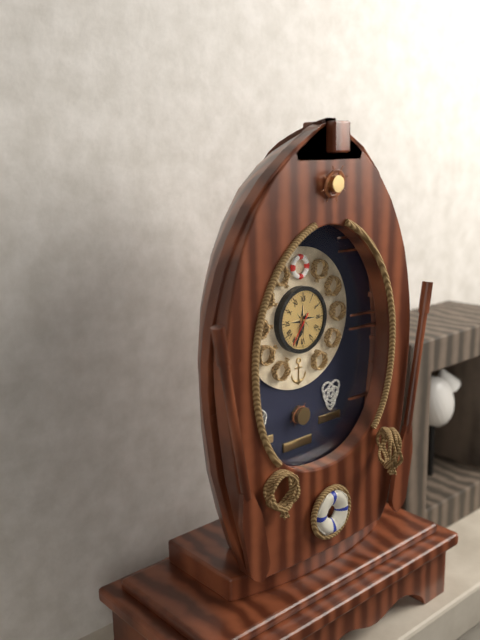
6:34
